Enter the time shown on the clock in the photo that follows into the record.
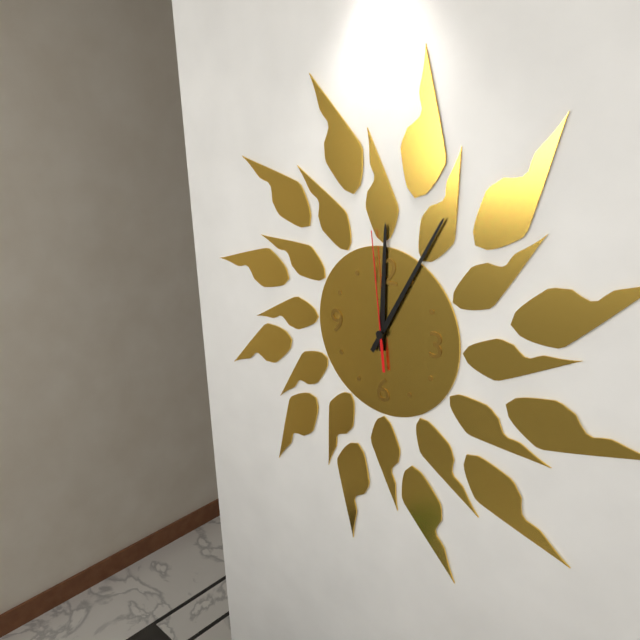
12:05:59
